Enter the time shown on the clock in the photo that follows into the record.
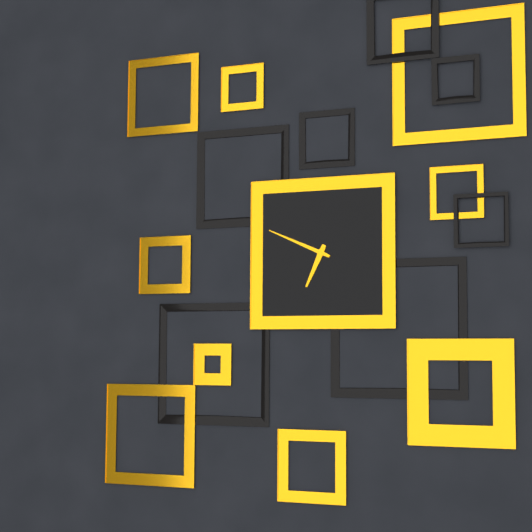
6:49
